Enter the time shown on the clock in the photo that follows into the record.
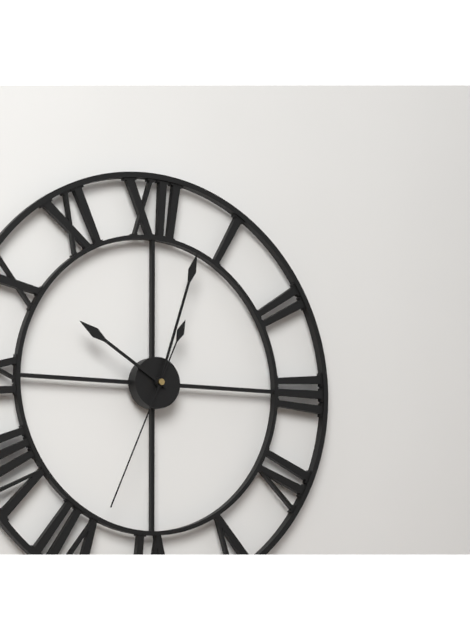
10:03:34
